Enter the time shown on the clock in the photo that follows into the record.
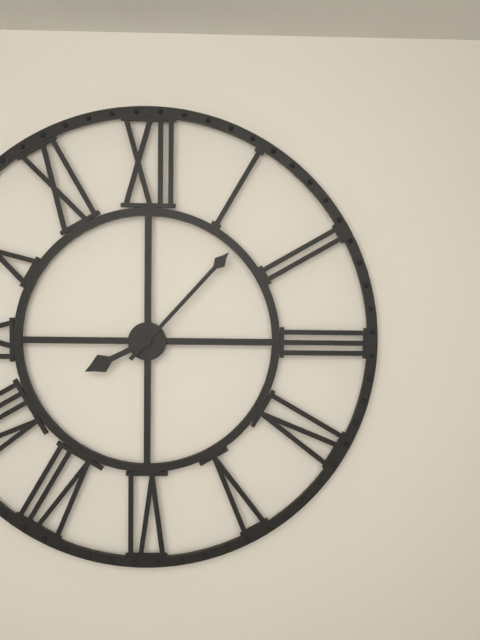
8:07
